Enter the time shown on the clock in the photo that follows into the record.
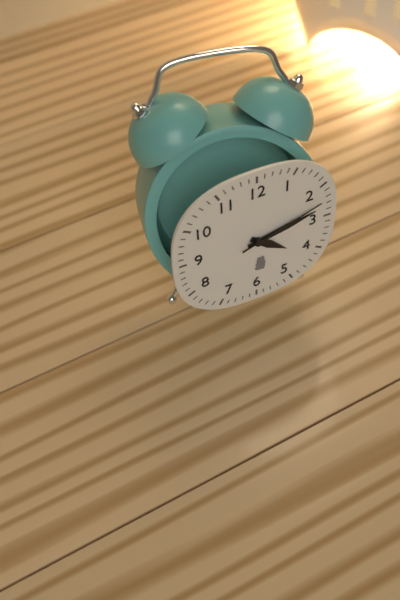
4:13:12
